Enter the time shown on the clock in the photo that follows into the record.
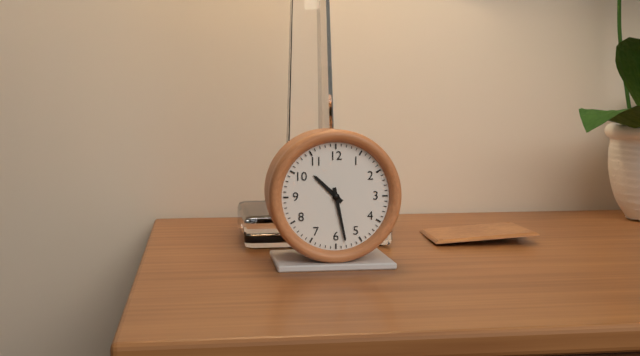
10:28
